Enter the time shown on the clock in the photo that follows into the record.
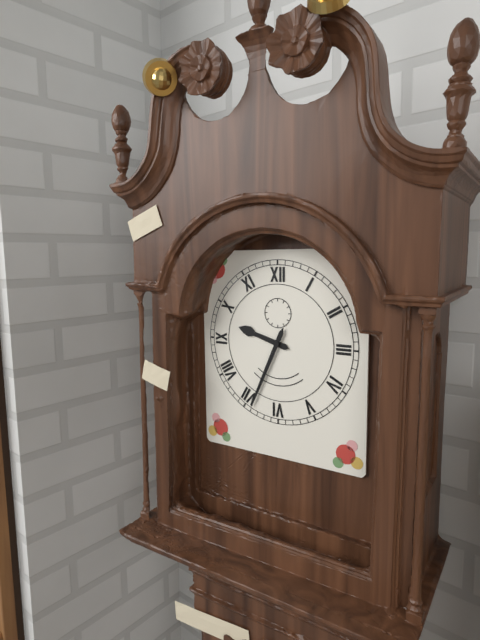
9:34
